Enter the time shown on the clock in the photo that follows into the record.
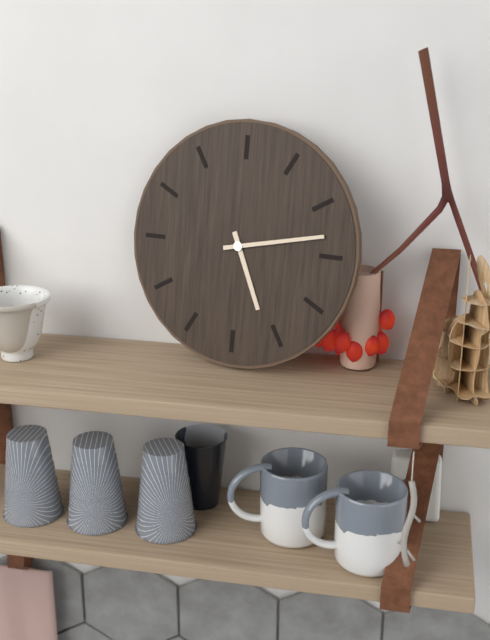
5:13
